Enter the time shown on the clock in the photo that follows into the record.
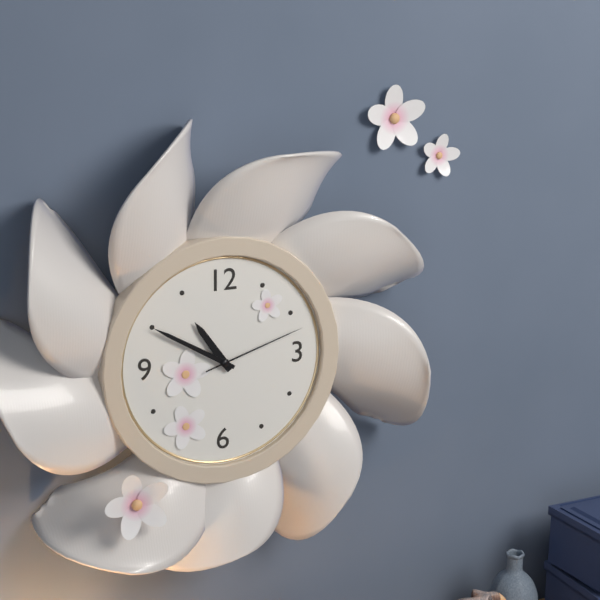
10:50:12
